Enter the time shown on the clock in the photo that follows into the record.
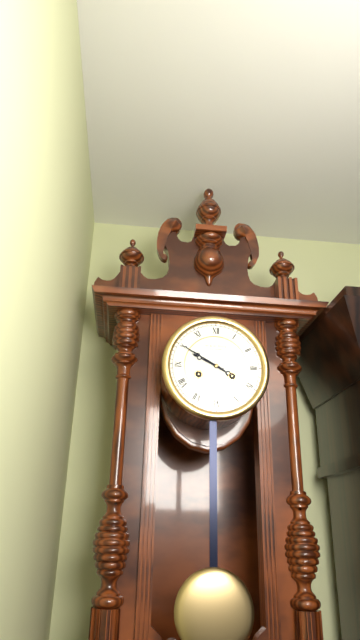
9:50
